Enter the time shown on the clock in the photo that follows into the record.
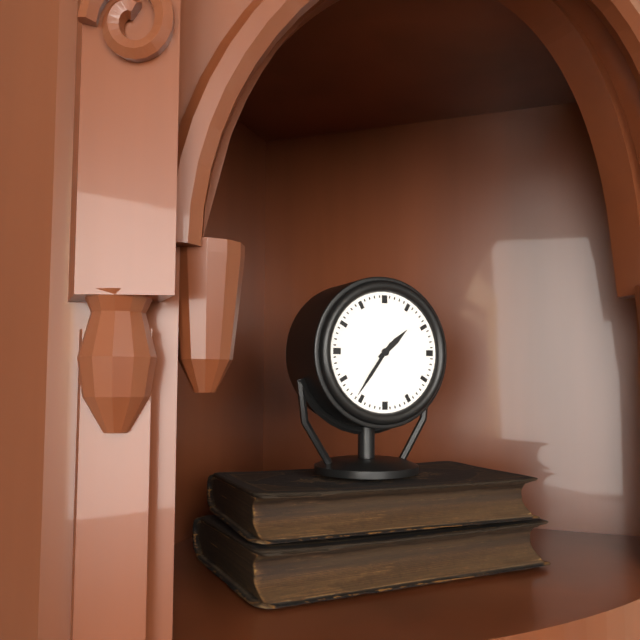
1:36
